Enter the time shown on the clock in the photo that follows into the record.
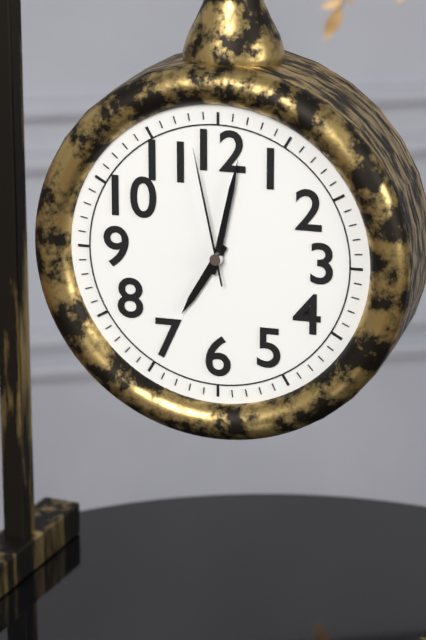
7:02:58
